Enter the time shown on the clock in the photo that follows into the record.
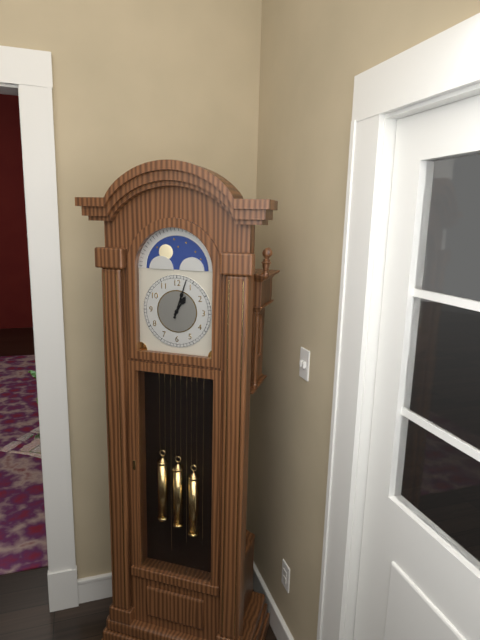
1:03
